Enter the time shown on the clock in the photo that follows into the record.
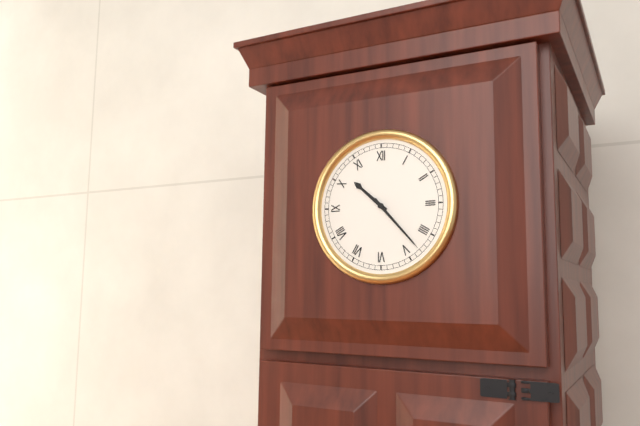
10:23
